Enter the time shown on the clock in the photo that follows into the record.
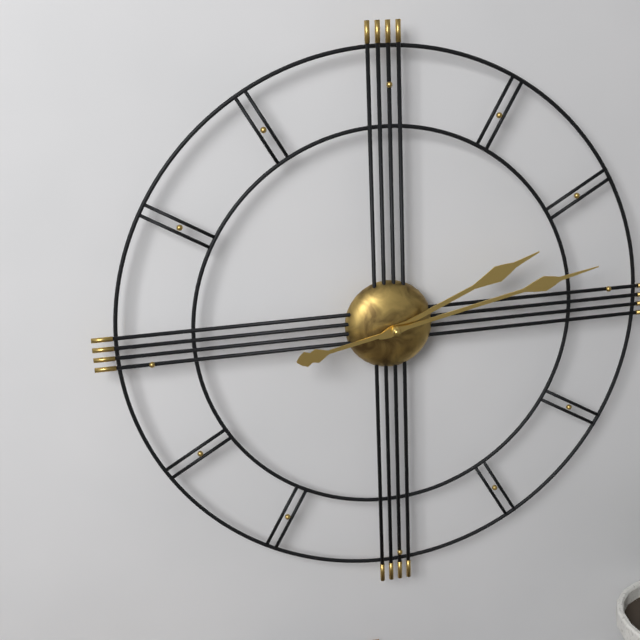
2:13
